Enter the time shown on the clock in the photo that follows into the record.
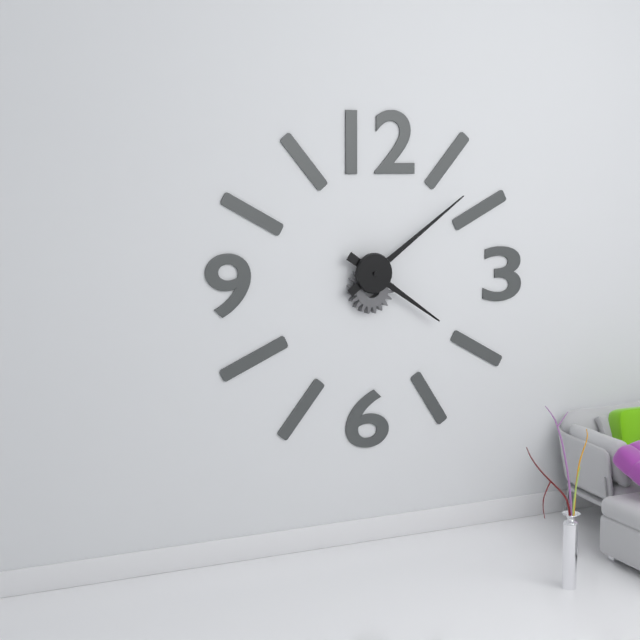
4:09
